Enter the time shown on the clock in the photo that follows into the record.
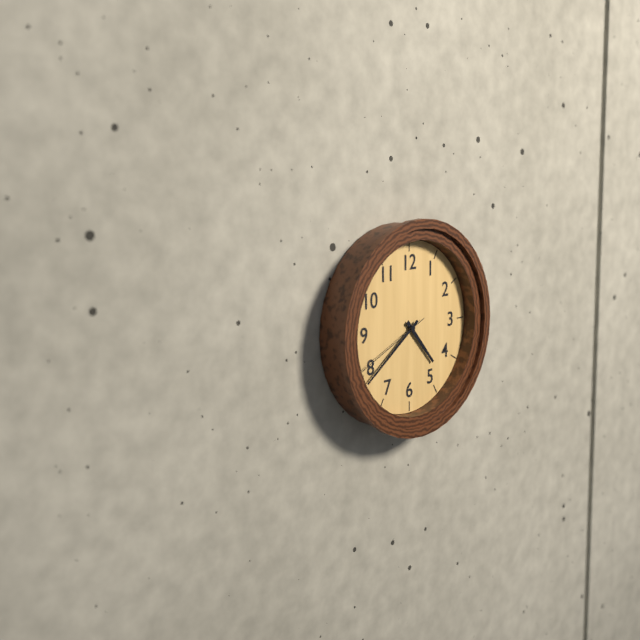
4:39:41
